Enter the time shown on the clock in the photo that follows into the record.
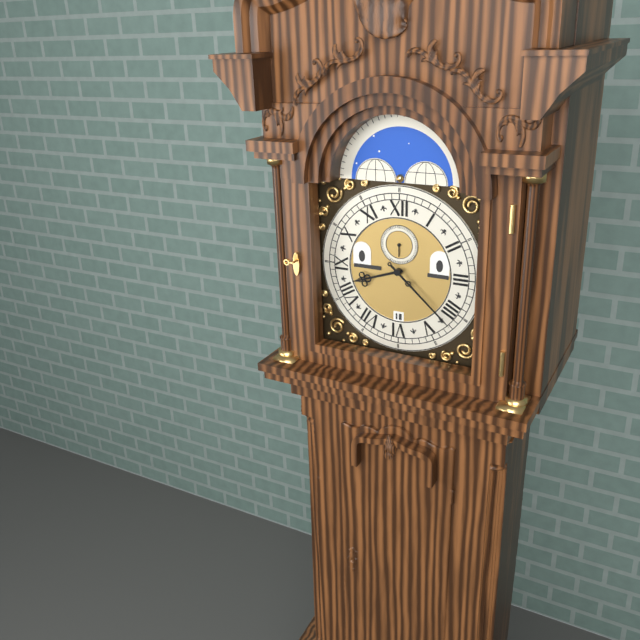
8:22
